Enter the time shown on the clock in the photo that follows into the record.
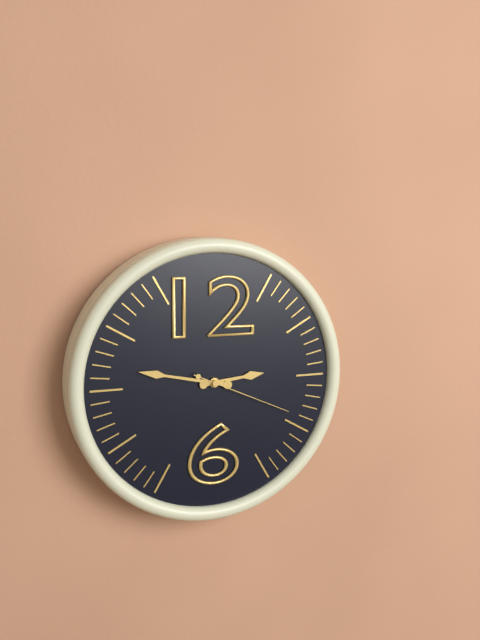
2:47:19
